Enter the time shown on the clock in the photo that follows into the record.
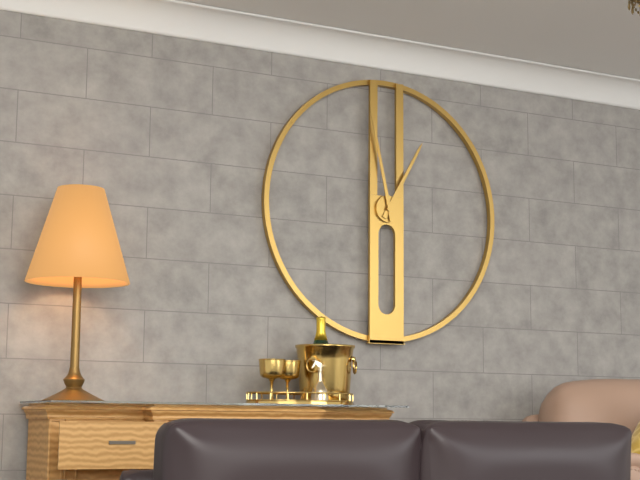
12:58
